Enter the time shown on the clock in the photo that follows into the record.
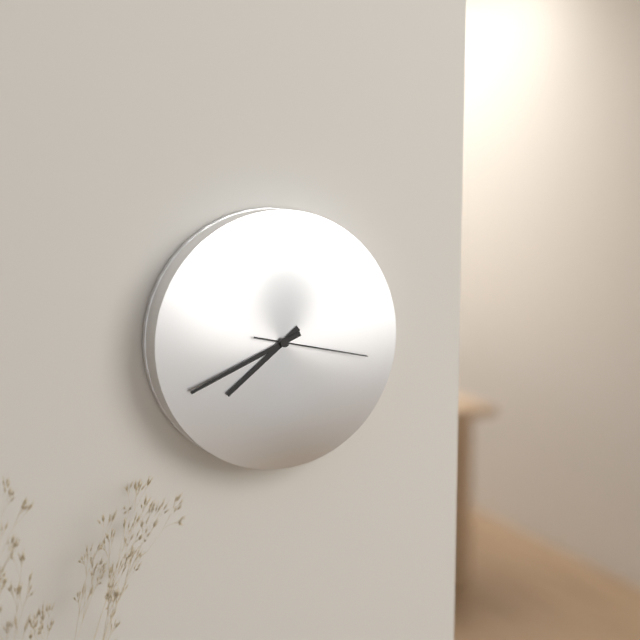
7:41:17
